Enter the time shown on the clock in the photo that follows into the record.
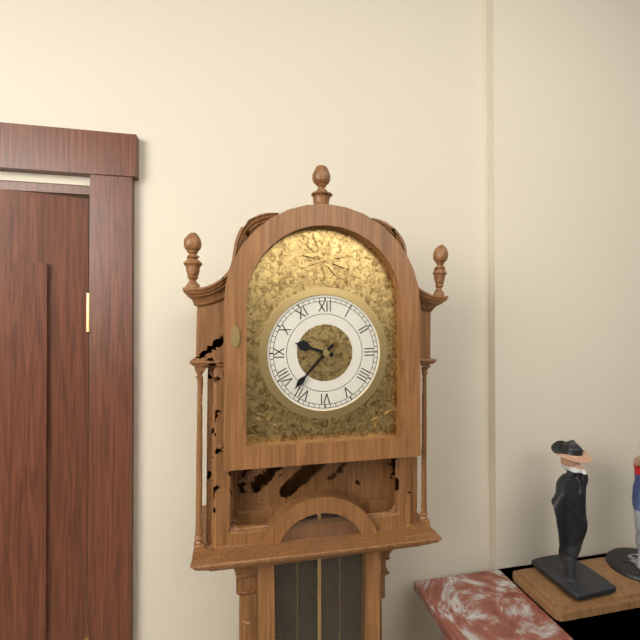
9:37
